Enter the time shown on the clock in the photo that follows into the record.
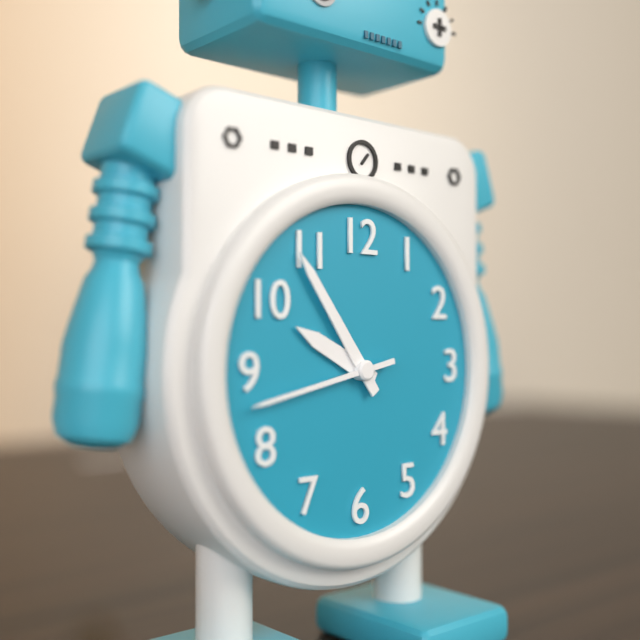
9:54:43
